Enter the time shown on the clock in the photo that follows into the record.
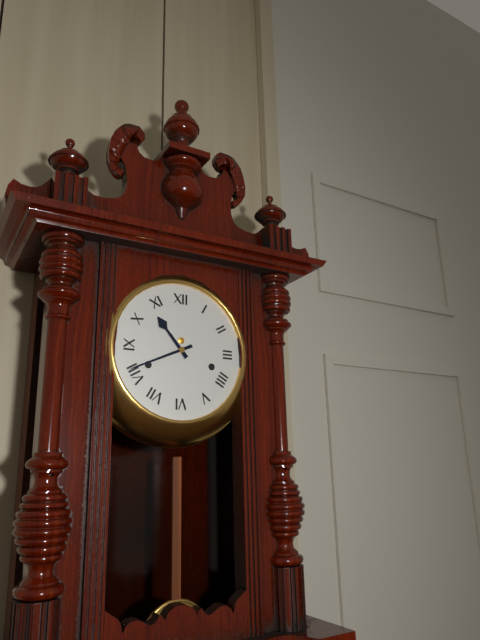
10:41
